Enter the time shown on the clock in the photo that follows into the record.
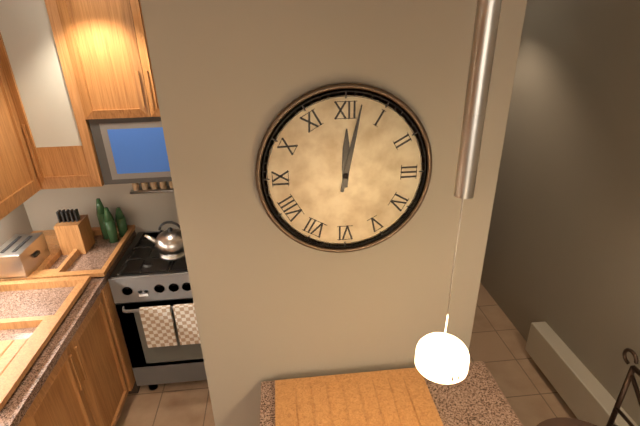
12:02
